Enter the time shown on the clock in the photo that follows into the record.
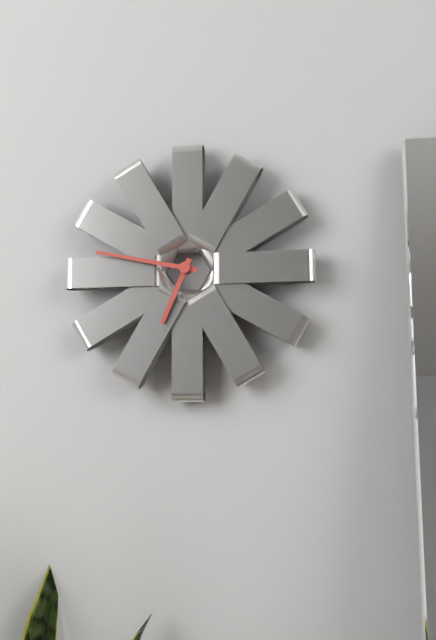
6:47
